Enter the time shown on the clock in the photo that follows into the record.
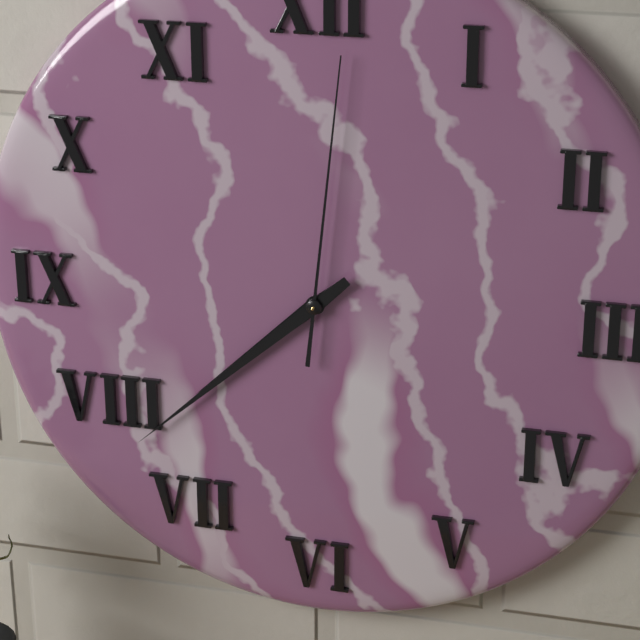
7:38:01
